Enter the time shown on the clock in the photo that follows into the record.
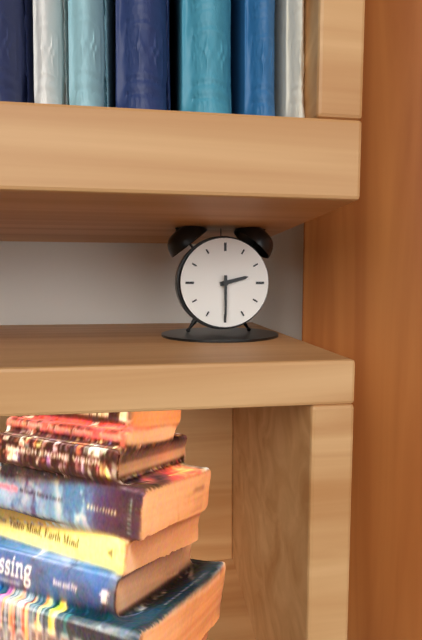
2:30
